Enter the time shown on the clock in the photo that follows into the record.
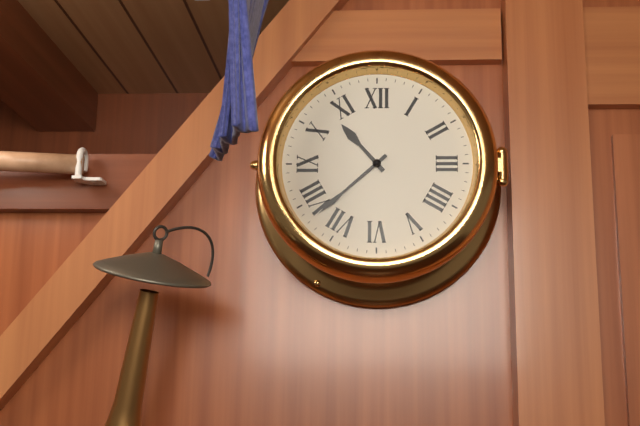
10:38
